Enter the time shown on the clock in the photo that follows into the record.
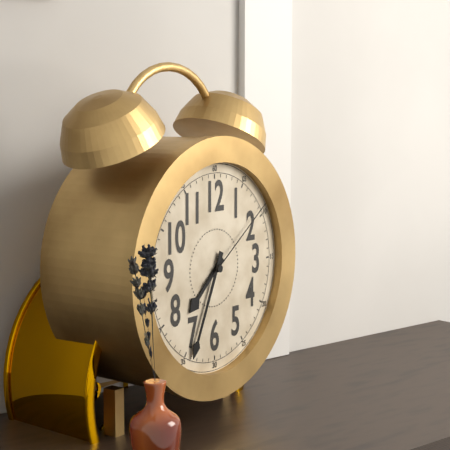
7:34:09
